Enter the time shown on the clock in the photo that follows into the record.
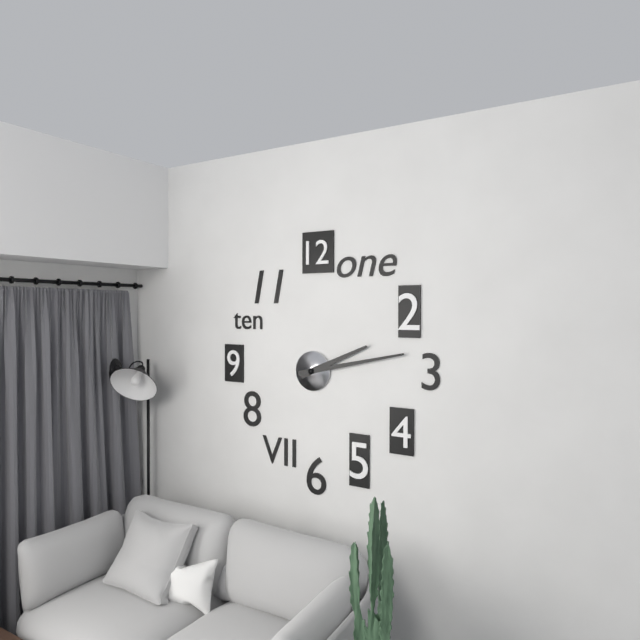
2:13
